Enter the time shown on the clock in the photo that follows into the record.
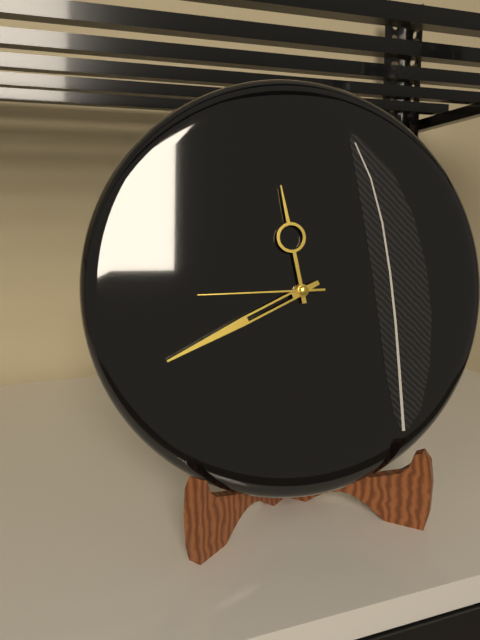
11:41:45
